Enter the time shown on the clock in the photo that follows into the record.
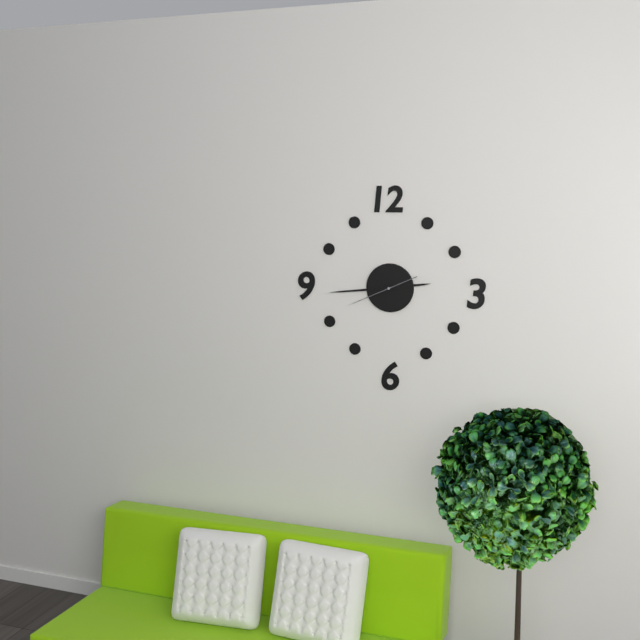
2:44:41
